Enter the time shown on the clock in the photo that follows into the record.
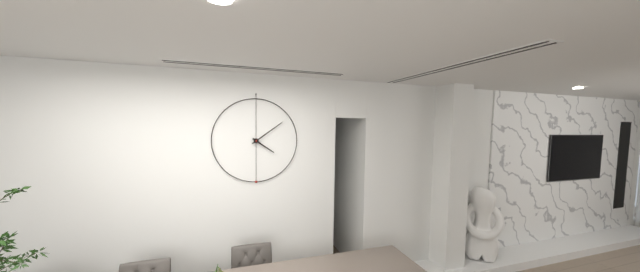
4:09
